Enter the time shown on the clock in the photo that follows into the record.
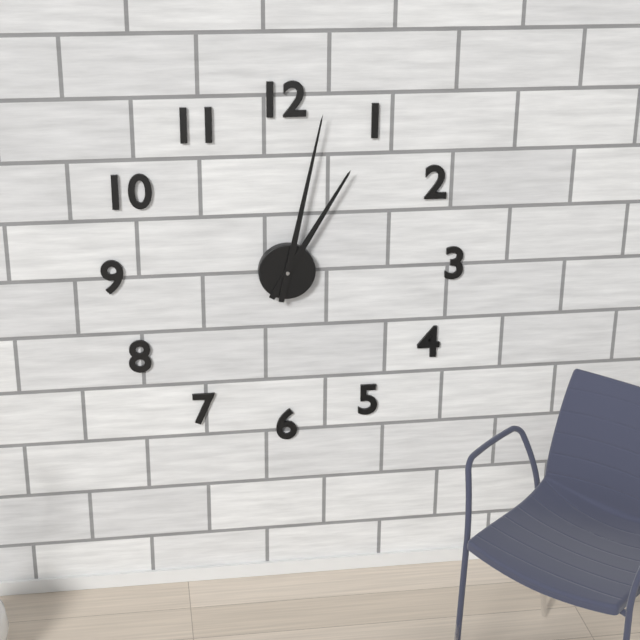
1:02
